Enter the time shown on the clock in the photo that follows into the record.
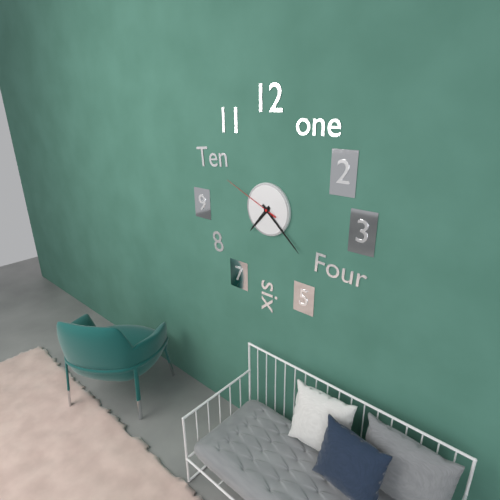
7:22:49
